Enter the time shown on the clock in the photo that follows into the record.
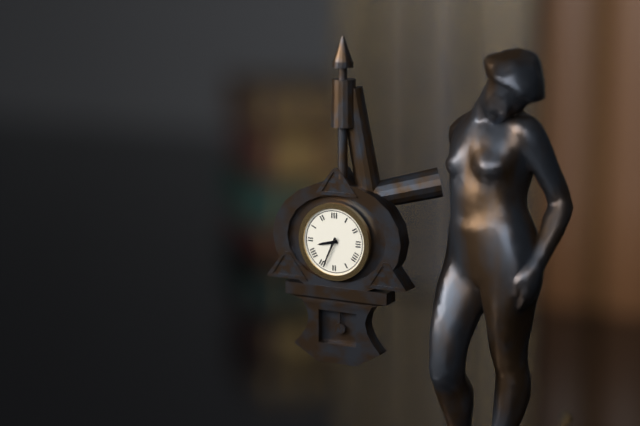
8:34
